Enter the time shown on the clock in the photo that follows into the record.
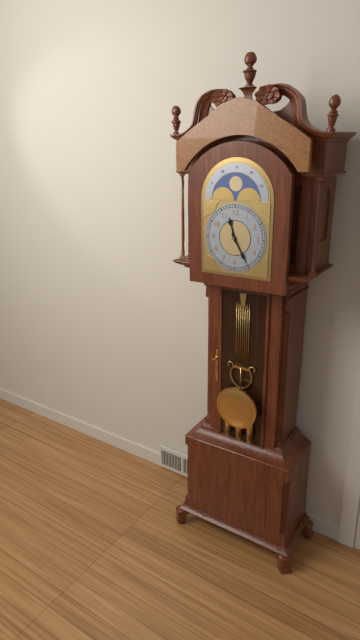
11:25
